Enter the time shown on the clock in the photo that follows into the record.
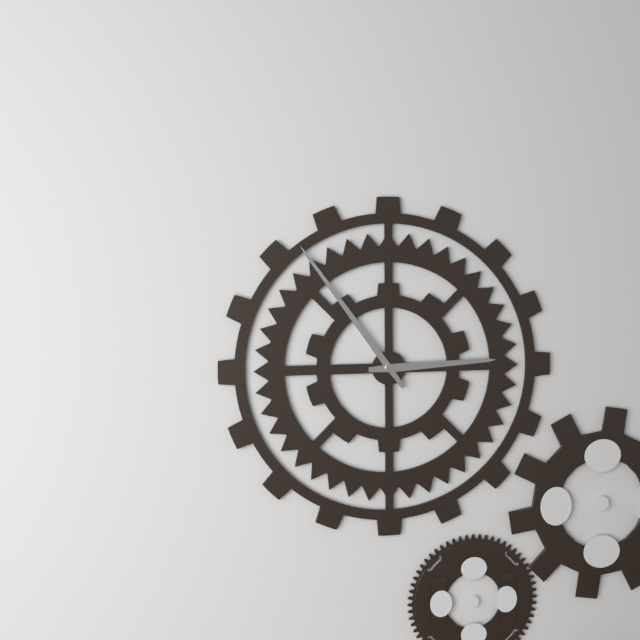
2:54
